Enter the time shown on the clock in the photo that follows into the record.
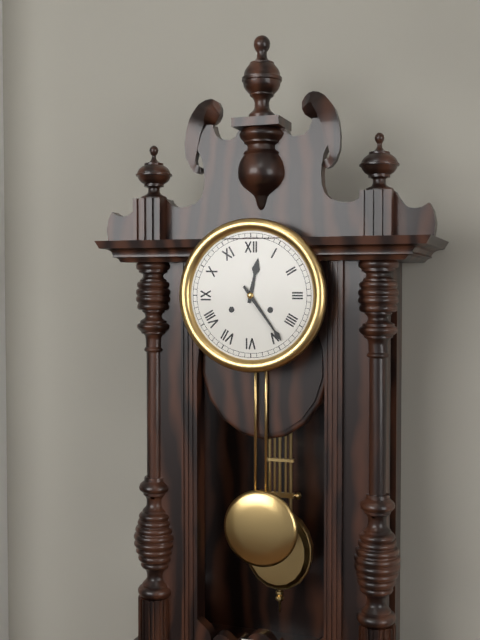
12:24
